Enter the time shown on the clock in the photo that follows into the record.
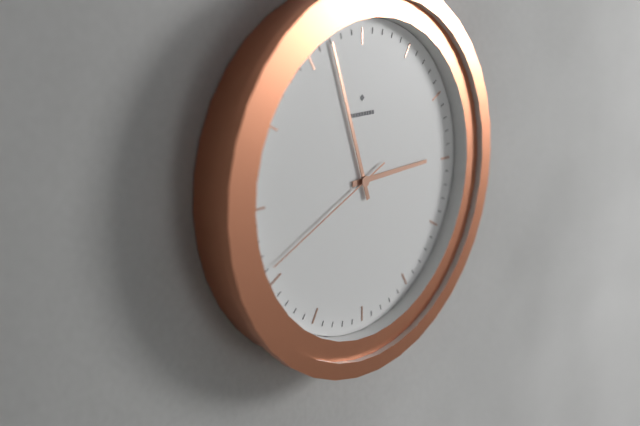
2:57:41
